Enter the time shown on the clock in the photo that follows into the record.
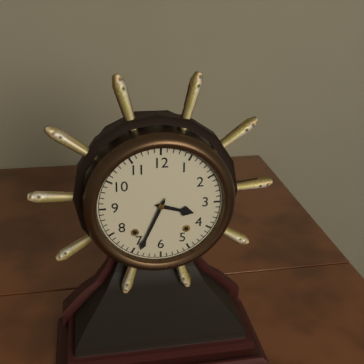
3:34
